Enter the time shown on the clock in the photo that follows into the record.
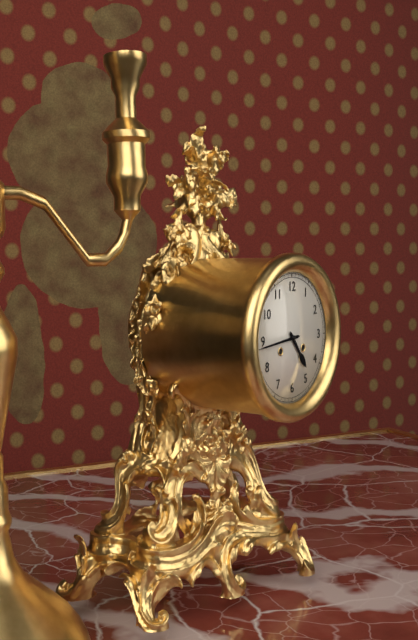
4:44
